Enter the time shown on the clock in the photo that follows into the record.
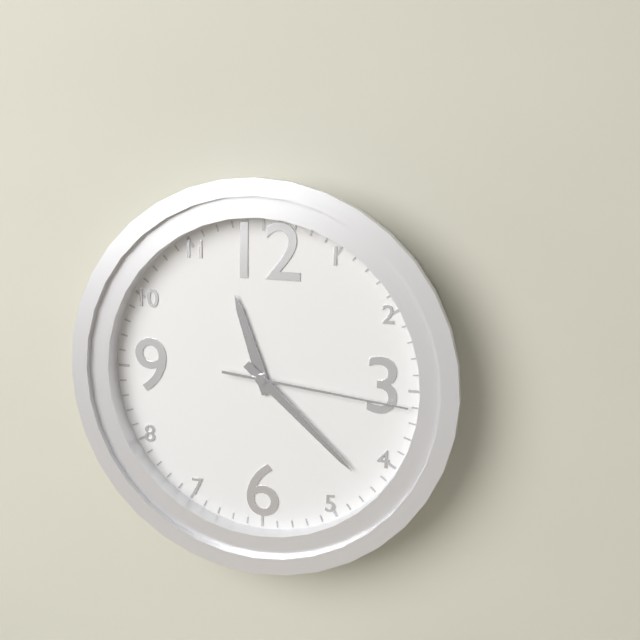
11:22:16
